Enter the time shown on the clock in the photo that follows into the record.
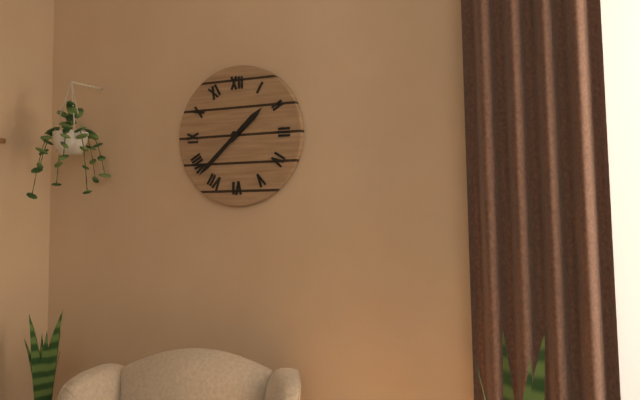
1:38
